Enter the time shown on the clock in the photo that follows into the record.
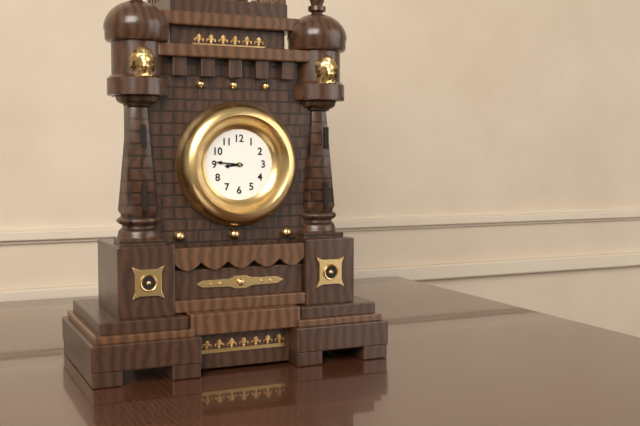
8:46
